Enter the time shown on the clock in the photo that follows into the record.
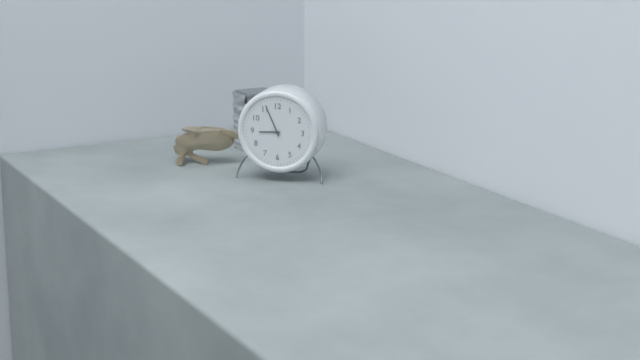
8:56
